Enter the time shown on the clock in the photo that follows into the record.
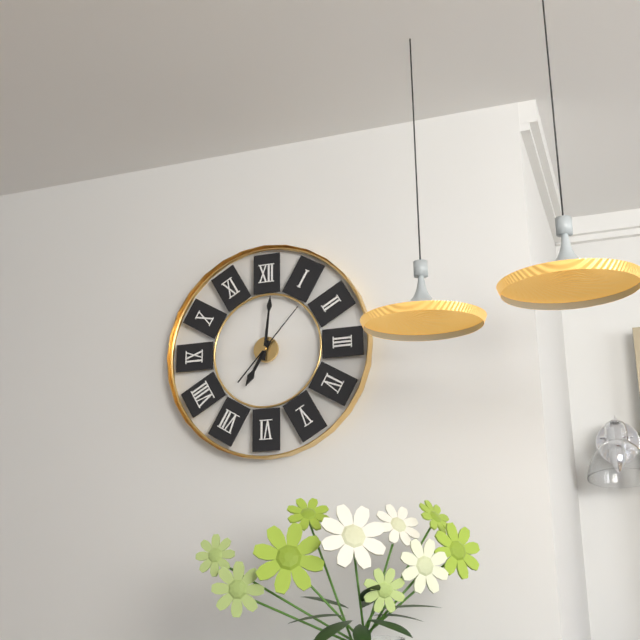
7:01:07
